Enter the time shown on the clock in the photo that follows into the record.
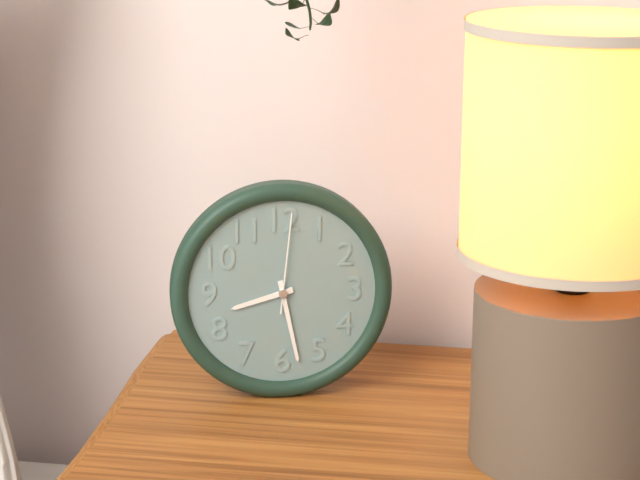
8:28:01
